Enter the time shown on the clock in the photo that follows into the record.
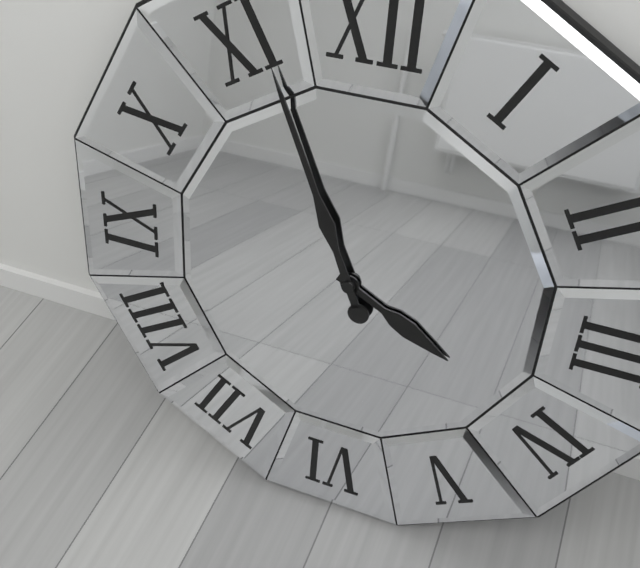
3:56
